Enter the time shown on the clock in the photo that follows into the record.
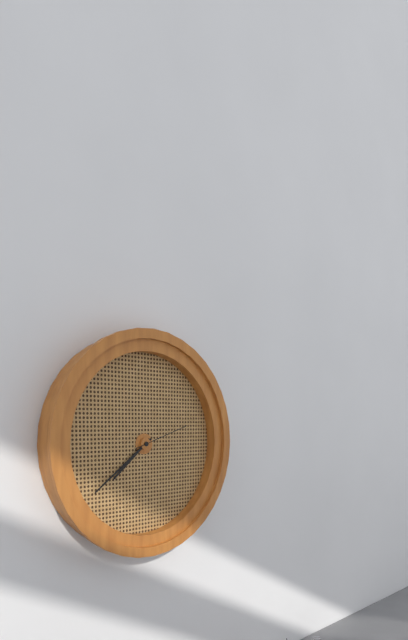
7:39:12
